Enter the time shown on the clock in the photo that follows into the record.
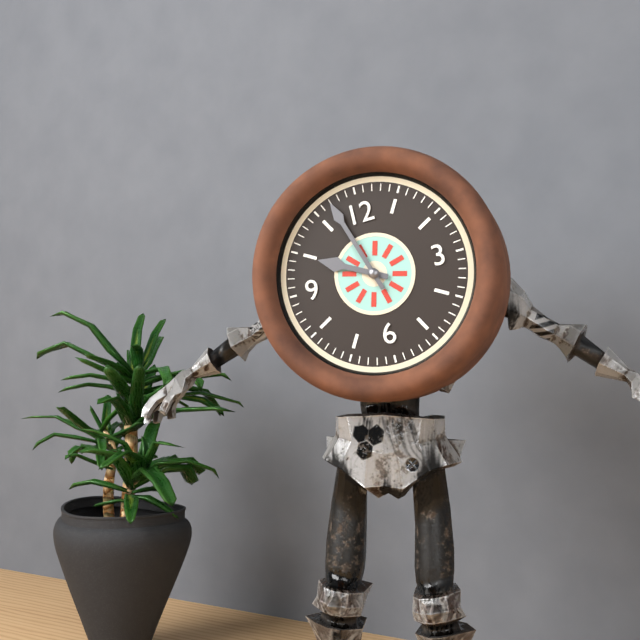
9:57
